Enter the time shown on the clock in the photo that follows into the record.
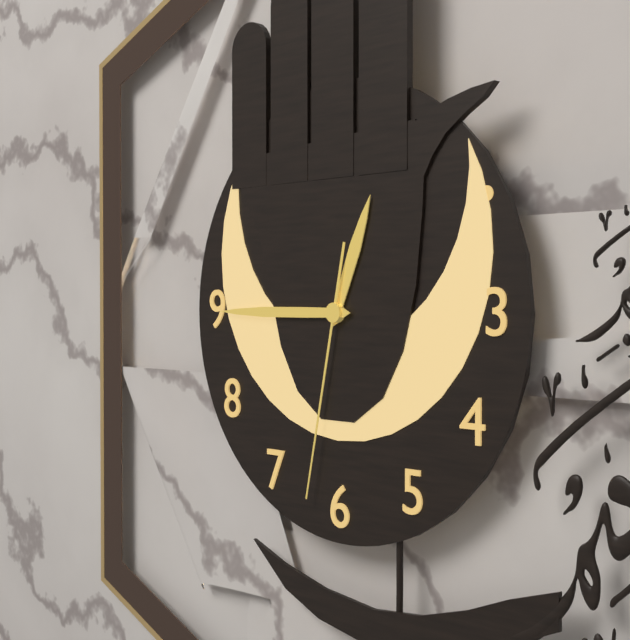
12:45:32
